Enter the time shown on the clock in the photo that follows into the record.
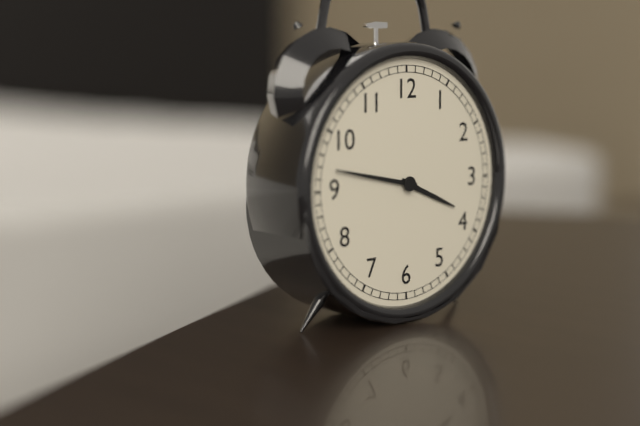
3:47
